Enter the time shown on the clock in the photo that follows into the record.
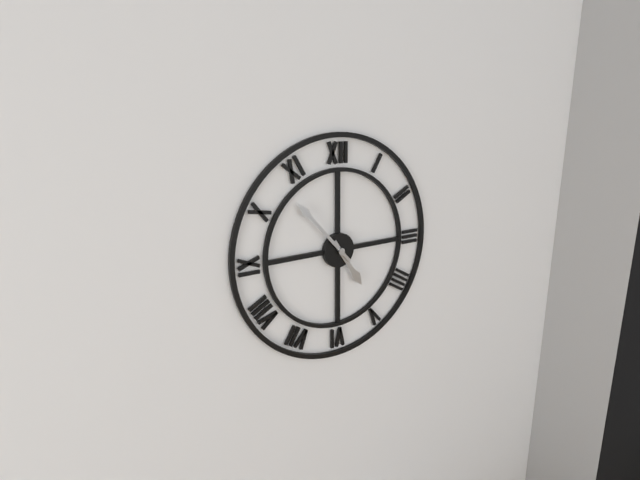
4:53
